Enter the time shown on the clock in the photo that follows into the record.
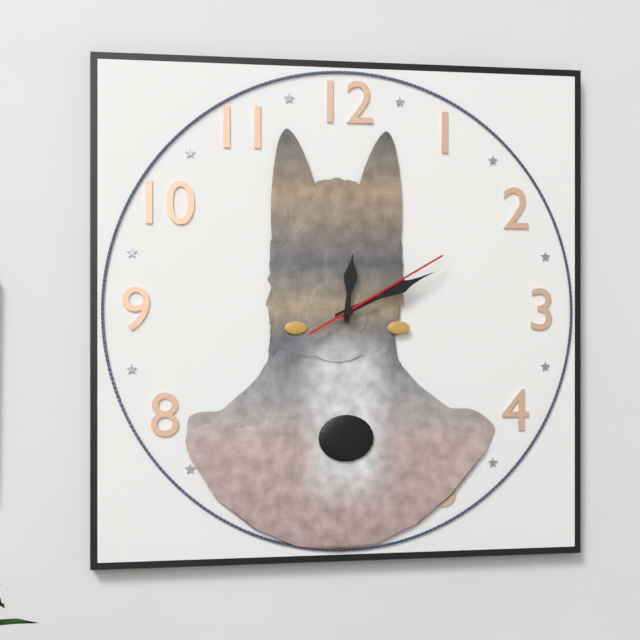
12:11:10
